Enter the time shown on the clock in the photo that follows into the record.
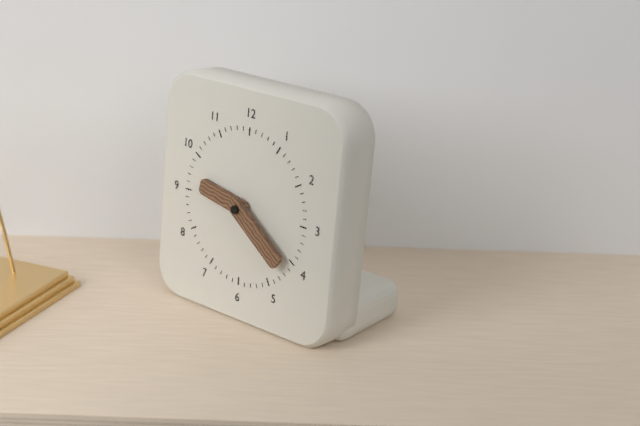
9:21
